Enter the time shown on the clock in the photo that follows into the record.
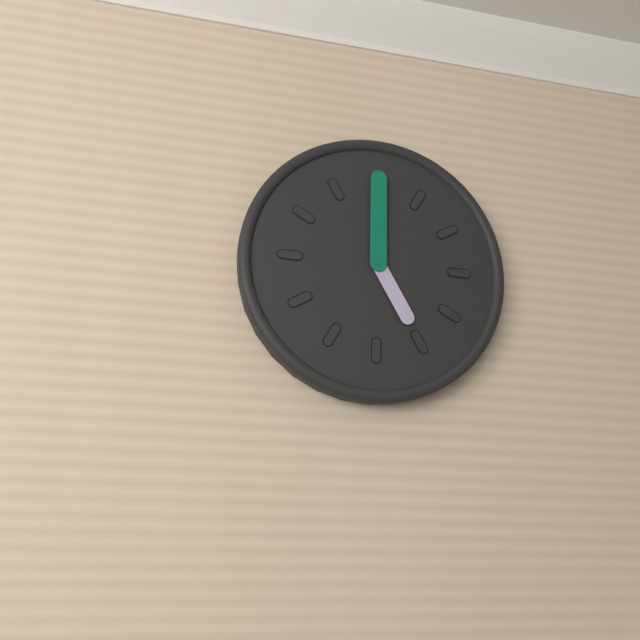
5:00
